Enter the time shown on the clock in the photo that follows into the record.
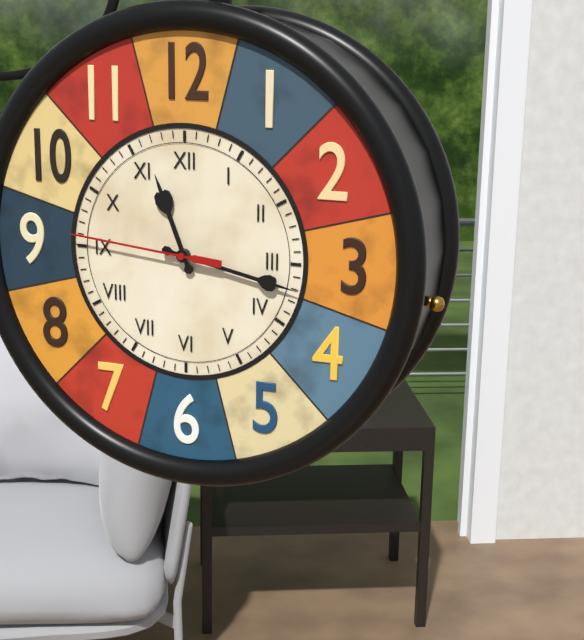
11:17:46
